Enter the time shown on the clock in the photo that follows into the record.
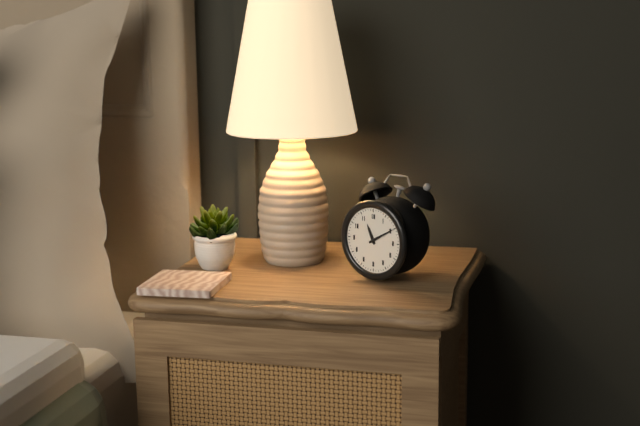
11:10
